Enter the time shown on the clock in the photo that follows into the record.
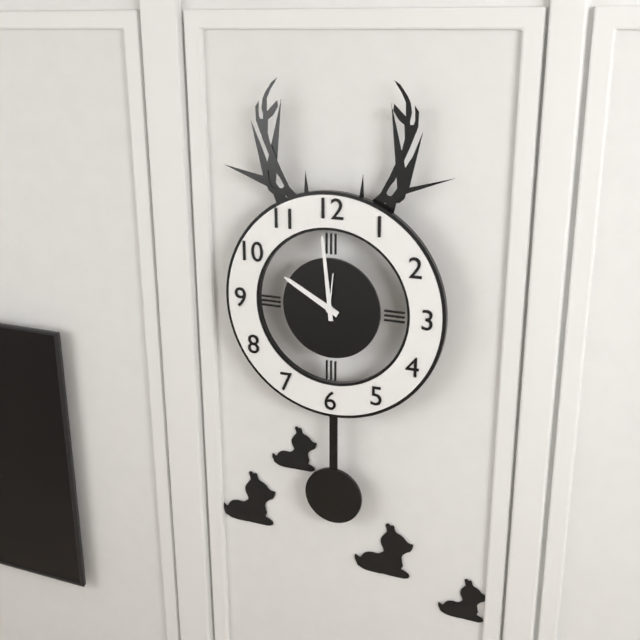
9:59
